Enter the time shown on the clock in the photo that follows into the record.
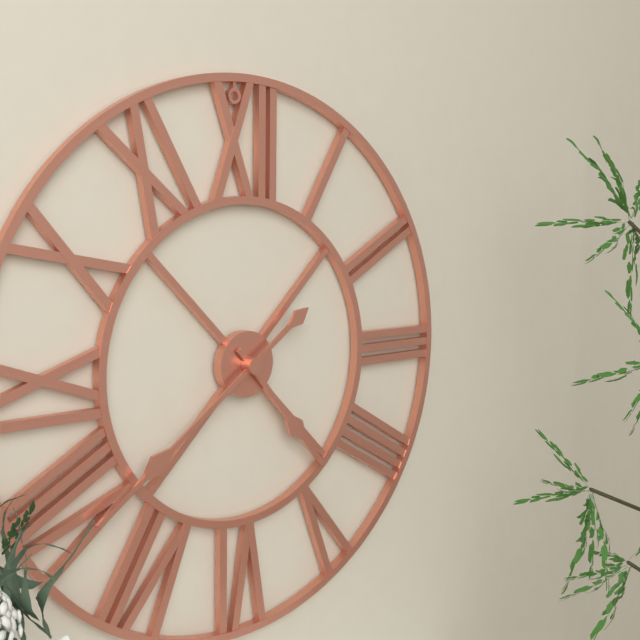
4:39
